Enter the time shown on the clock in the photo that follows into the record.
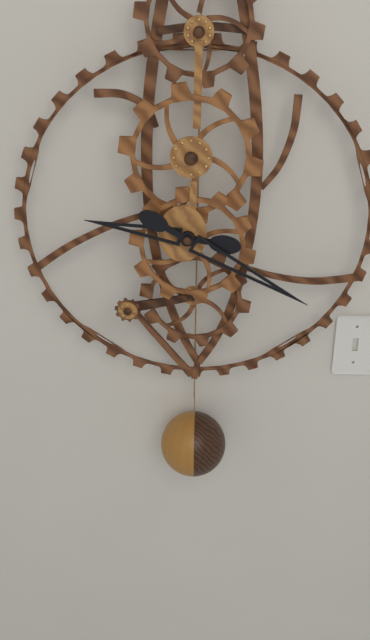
9:20
